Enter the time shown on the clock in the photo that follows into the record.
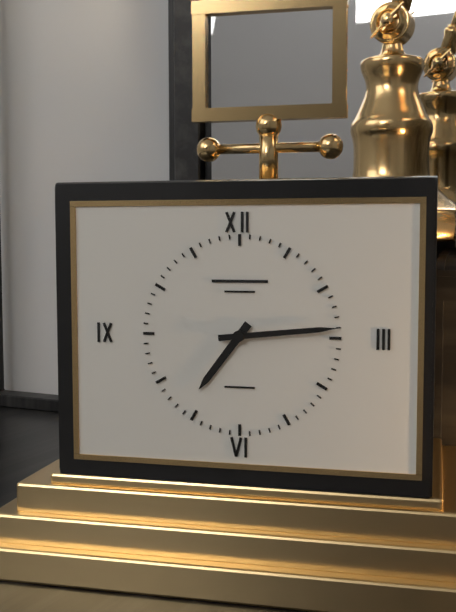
7:14
